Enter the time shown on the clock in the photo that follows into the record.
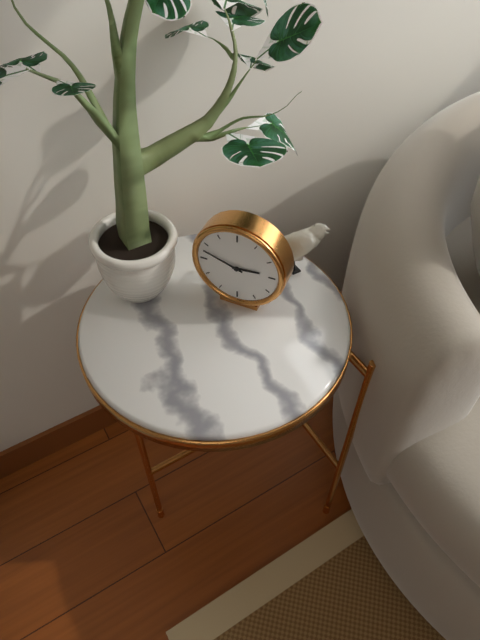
2:48
